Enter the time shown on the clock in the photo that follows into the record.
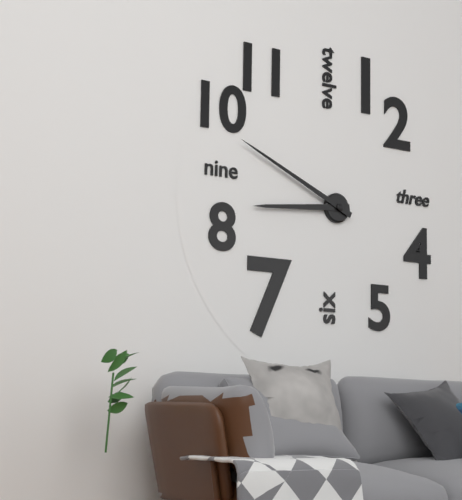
8:49
